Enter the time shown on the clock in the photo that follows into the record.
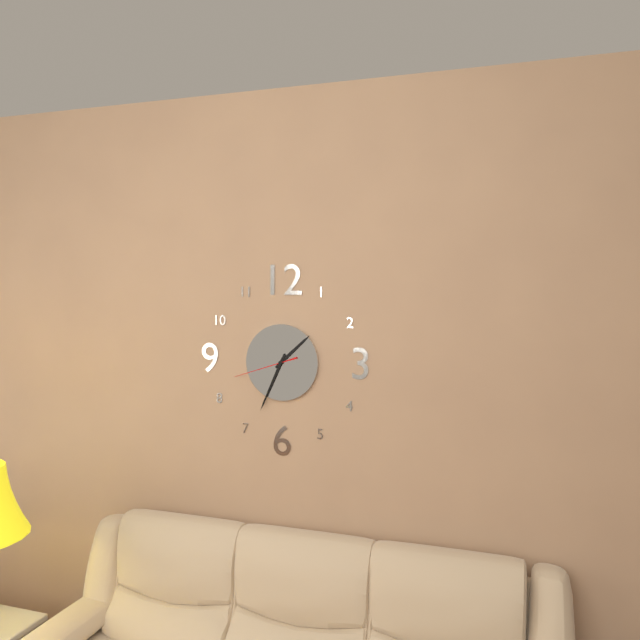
1:34:42
